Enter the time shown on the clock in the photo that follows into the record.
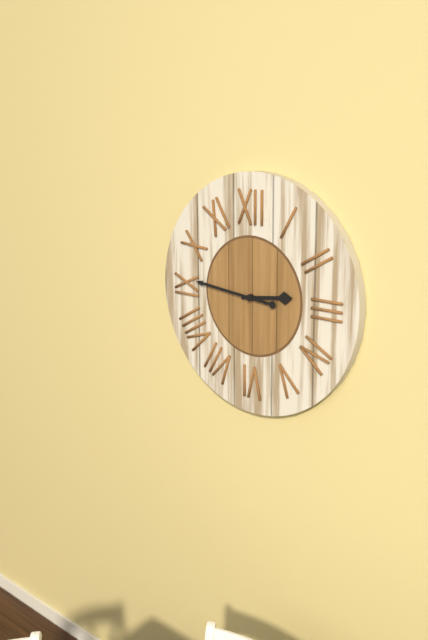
2:46
